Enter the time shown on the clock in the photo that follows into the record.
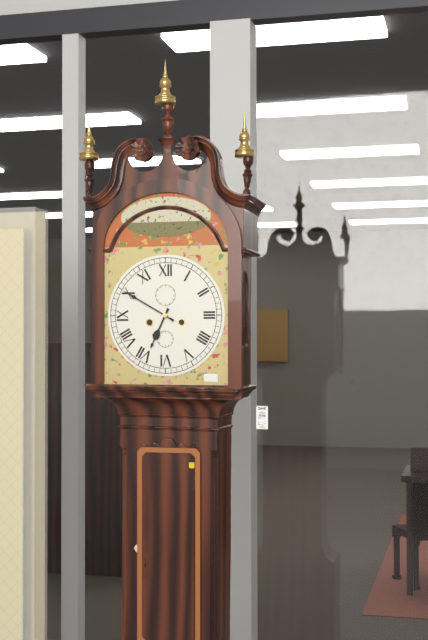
6:50
